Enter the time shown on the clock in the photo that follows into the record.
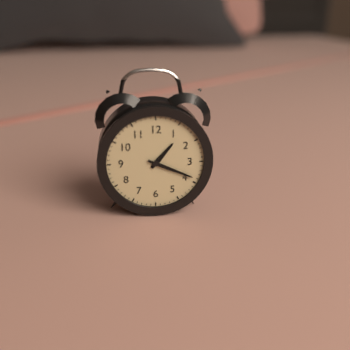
1:19
